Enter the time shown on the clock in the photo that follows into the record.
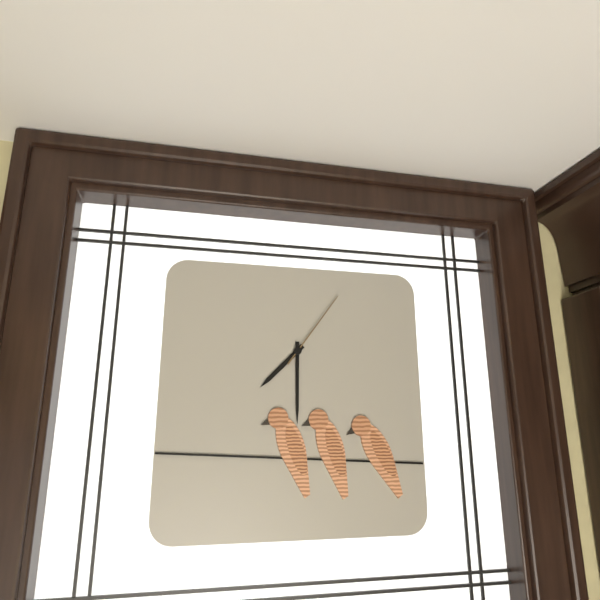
7:30:06
